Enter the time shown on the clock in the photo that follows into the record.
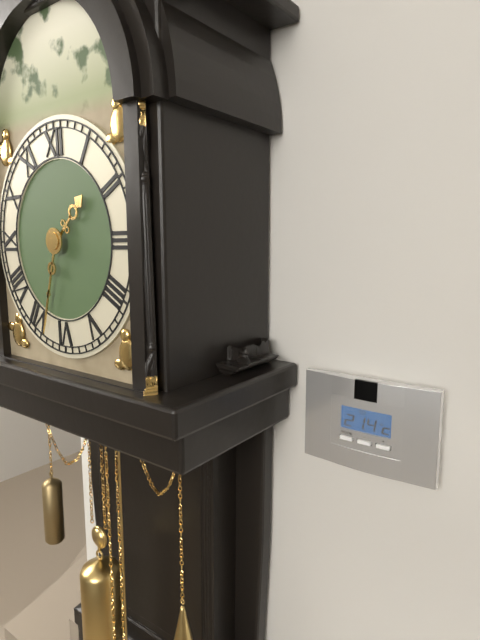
1:33
